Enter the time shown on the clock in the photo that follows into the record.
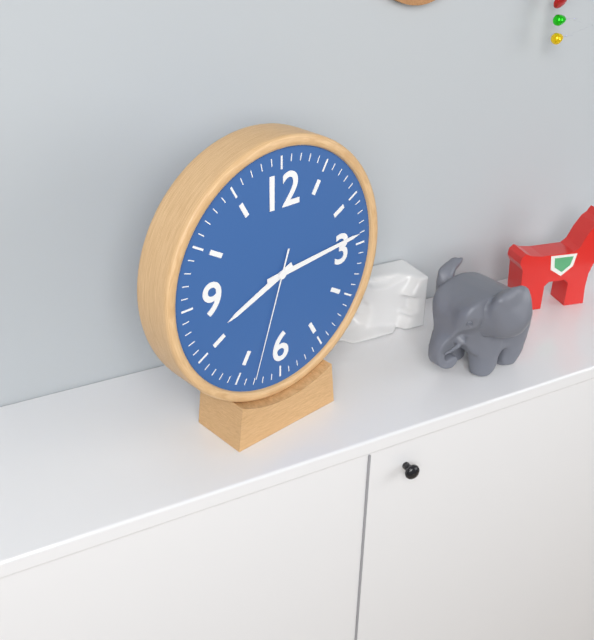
8:14:33
